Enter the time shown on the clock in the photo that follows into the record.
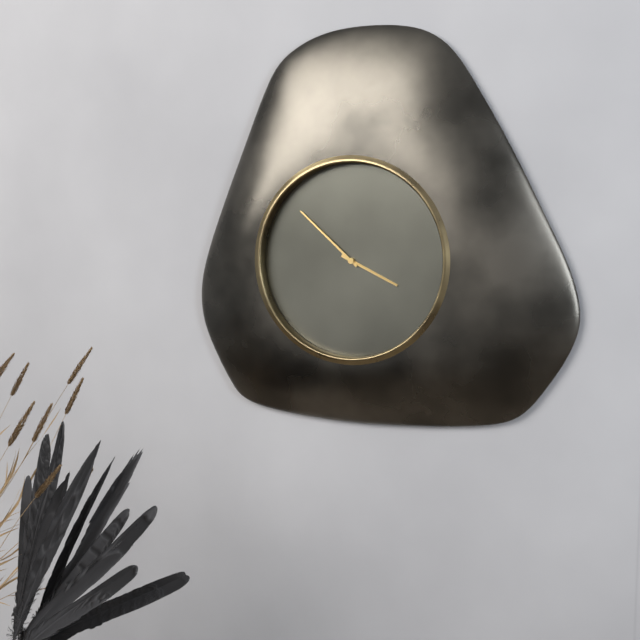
3:52
